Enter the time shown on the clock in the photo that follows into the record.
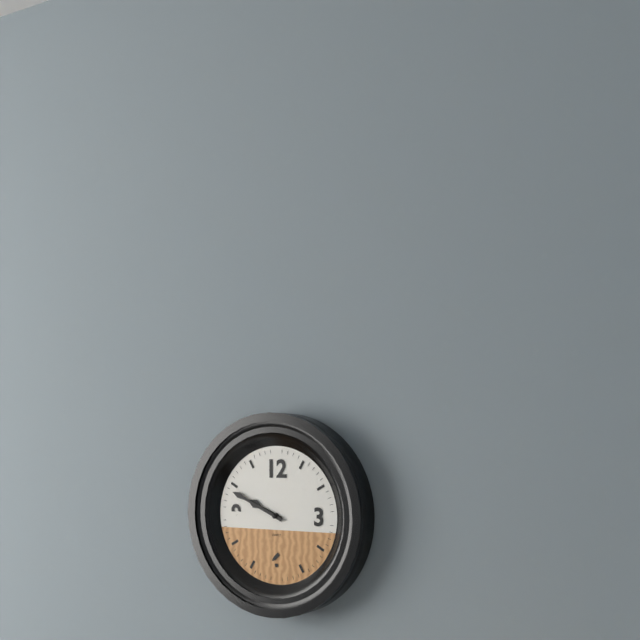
9:49
